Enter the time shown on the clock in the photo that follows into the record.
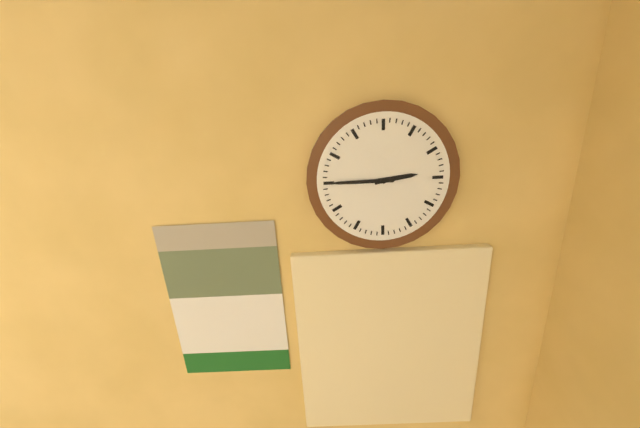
2:45
